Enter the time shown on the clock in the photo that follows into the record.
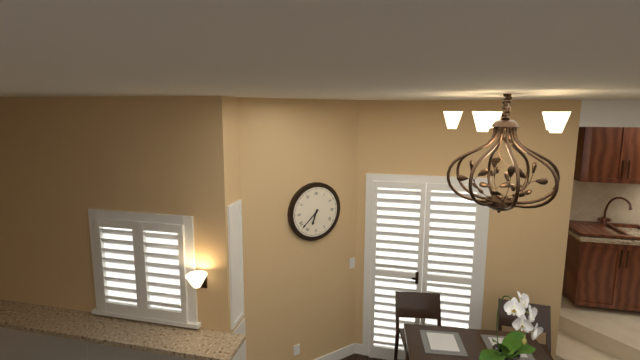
6:38
